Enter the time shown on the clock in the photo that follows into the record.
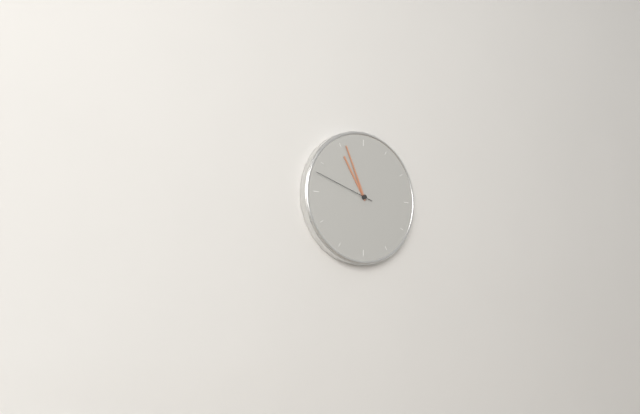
10:56:48
